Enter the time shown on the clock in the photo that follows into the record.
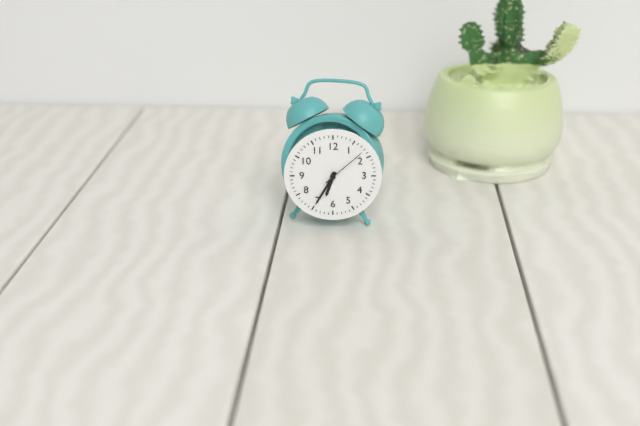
6:35
